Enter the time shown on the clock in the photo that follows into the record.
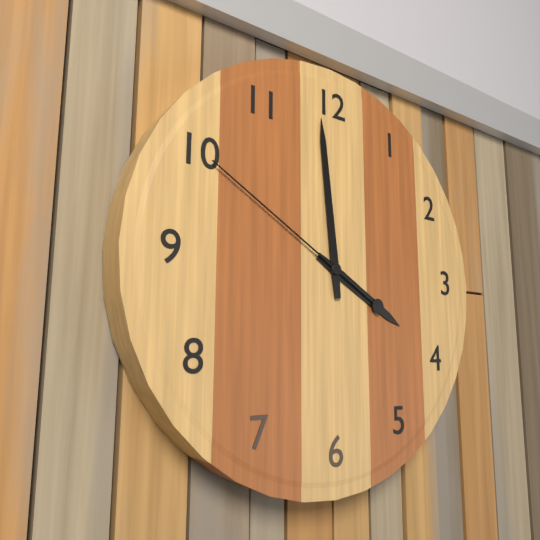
3:59:50
